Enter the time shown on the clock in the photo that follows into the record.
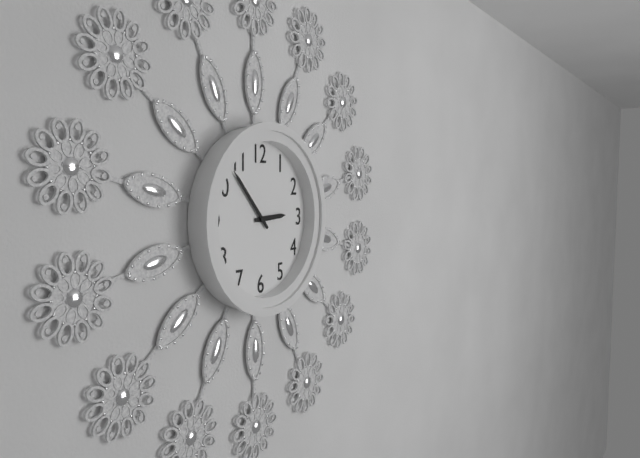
2:53
